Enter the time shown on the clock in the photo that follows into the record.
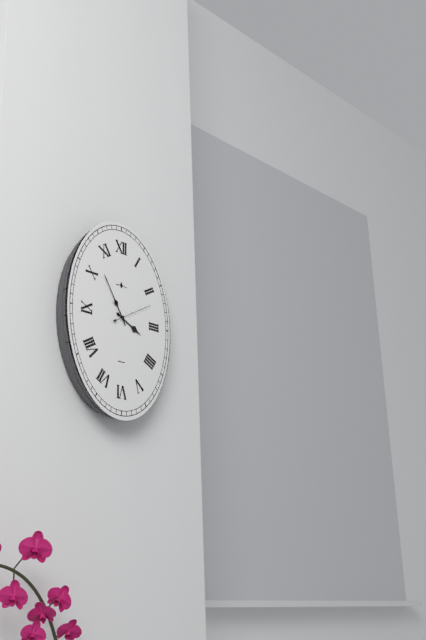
3:55
